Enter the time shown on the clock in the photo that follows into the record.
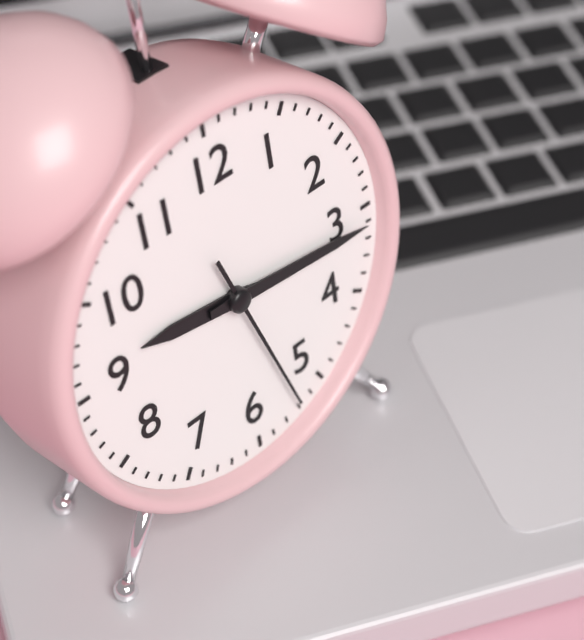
9:16:27
